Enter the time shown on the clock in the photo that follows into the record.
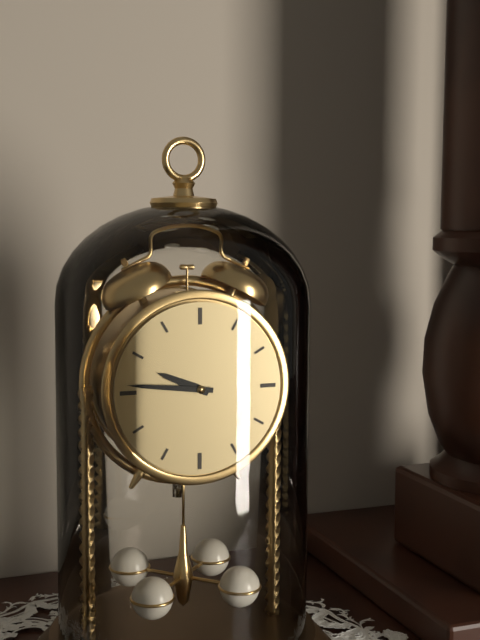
9:46
